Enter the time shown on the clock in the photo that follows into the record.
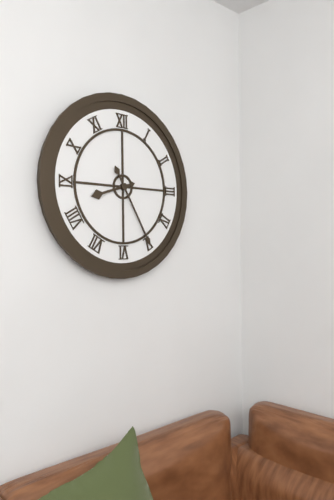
8:25
